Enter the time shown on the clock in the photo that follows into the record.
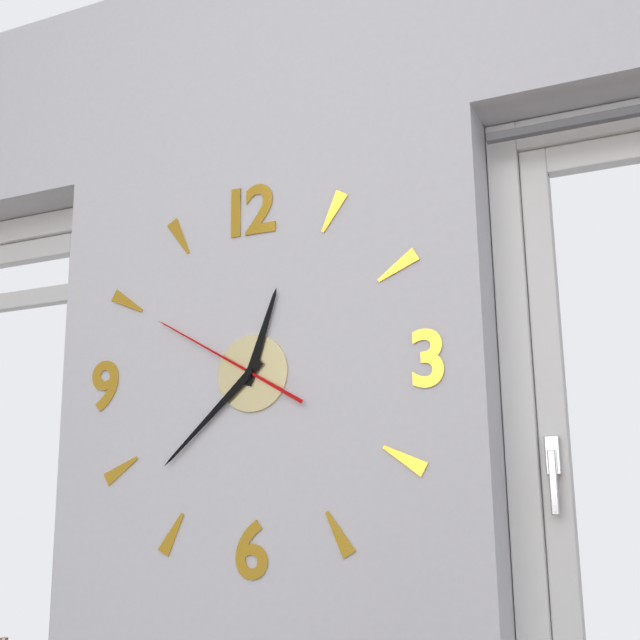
12:38:50
